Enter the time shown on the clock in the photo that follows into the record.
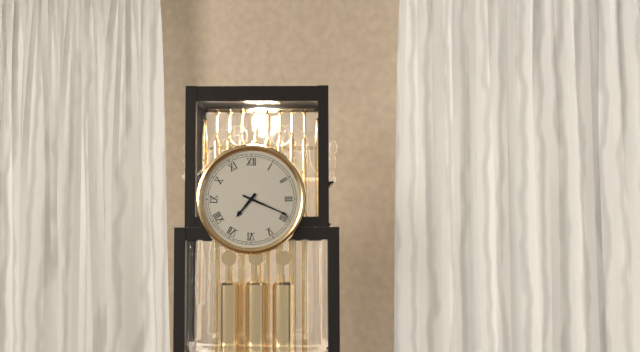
7:19
